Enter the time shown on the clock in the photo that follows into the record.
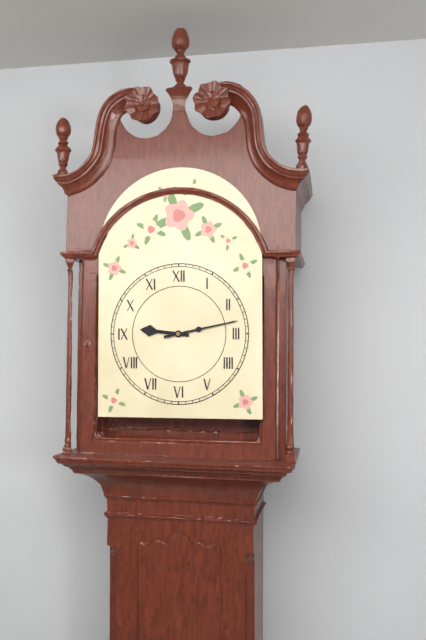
9:13
